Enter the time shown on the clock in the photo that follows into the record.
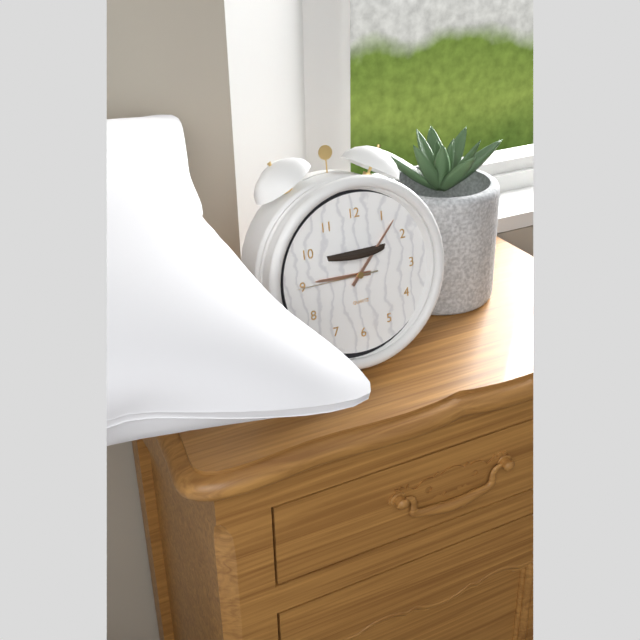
9:07:45
